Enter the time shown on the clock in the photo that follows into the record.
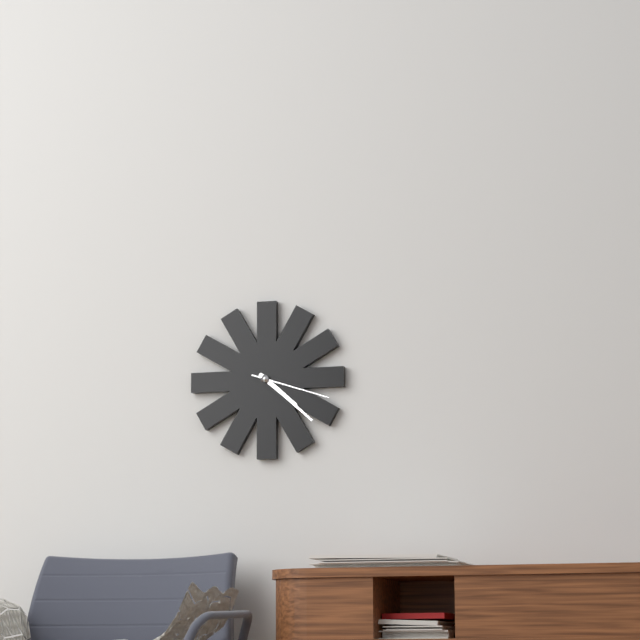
4:22:18
